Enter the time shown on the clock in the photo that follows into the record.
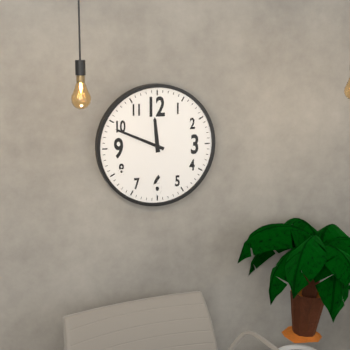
11:49
